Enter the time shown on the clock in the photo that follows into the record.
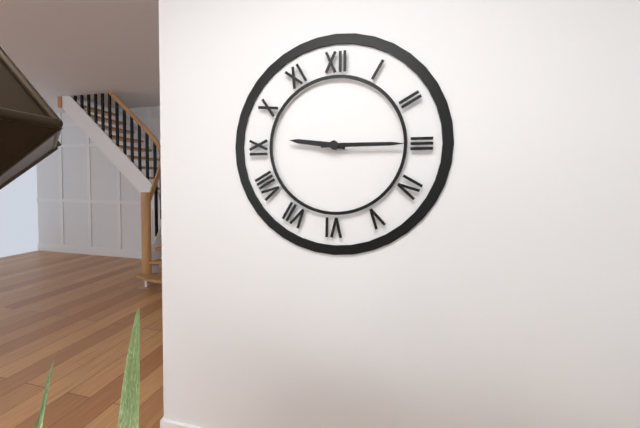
9:15
